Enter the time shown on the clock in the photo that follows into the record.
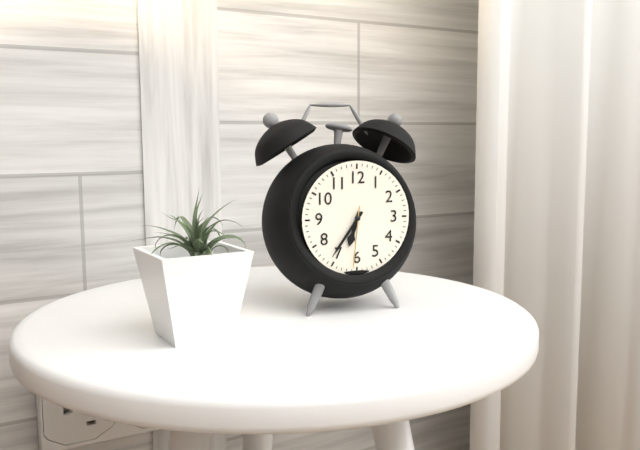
6:36:31
